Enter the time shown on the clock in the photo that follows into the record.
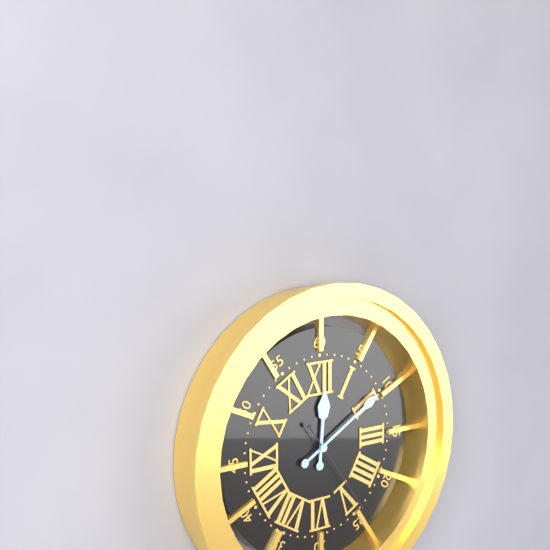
12:10:24
